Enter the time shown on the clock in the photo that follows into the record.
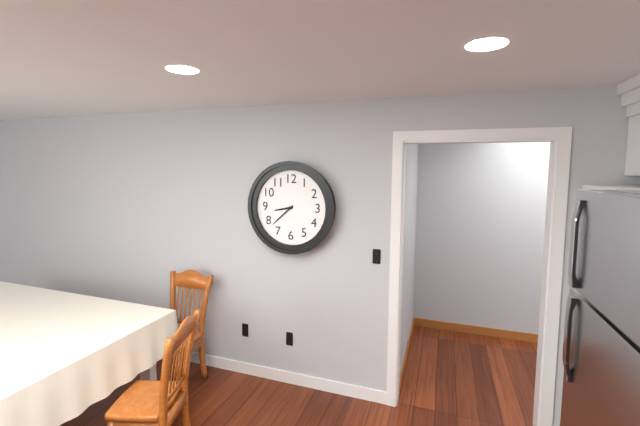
8:38
